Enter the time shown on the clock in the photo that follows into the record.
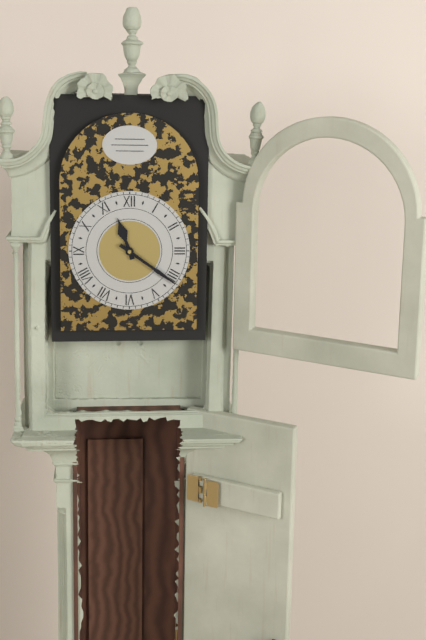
11:21
